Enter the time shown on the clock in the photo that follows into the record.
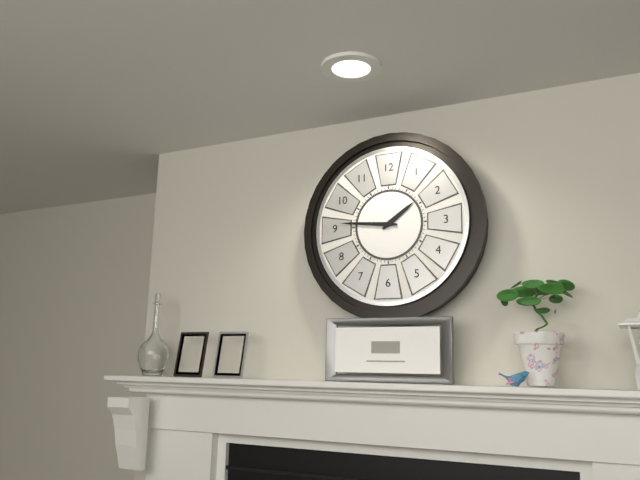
1:46
